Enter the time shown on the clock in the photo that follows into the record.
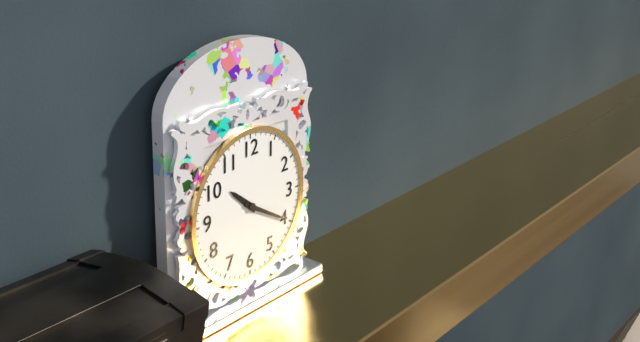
10:20
